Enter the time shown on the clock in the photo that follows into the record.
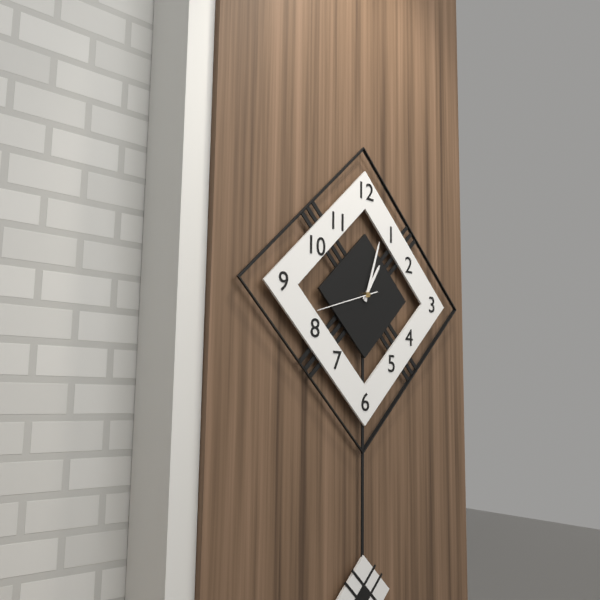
1:03:42
